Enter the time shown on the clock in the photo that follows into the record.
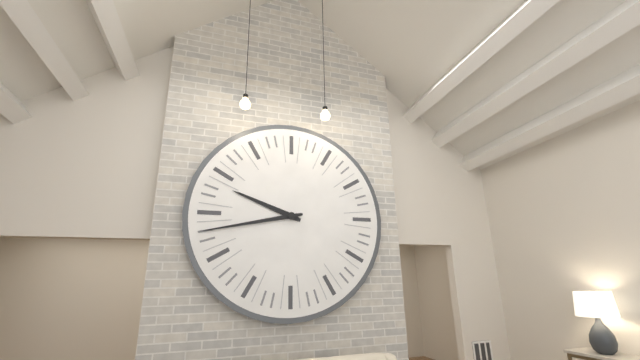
9:43
